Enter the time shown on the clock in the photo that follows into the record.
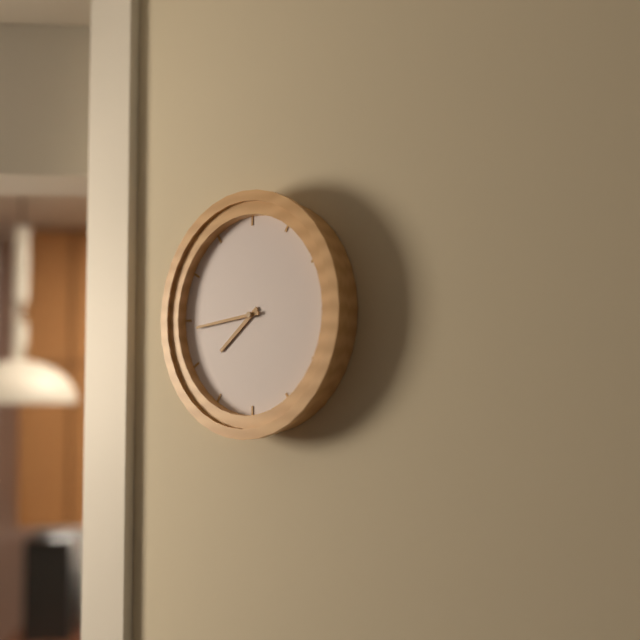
7:44
